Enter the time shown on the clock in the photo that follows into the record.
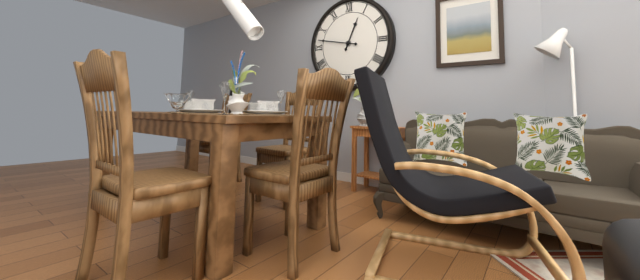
12:47
